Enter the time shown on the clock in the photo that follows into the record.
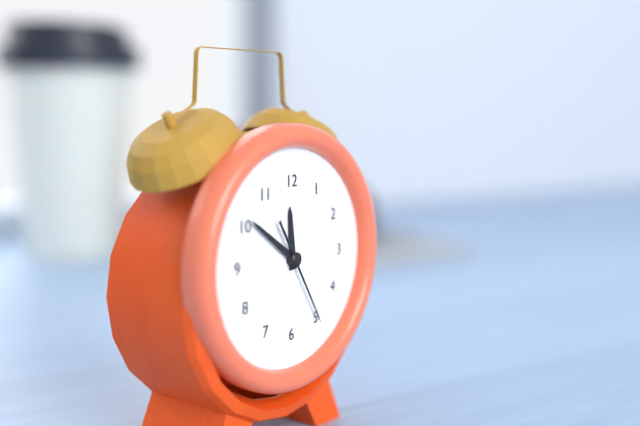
11:51:25
